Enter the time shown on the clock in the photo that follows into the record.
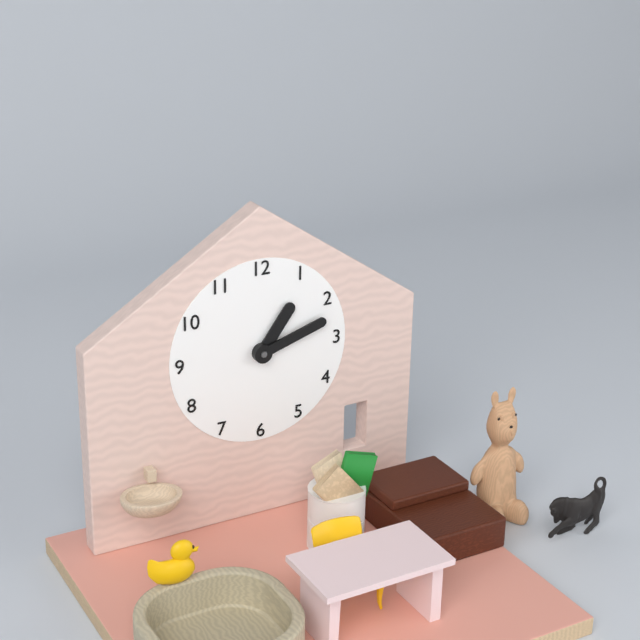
1:12
